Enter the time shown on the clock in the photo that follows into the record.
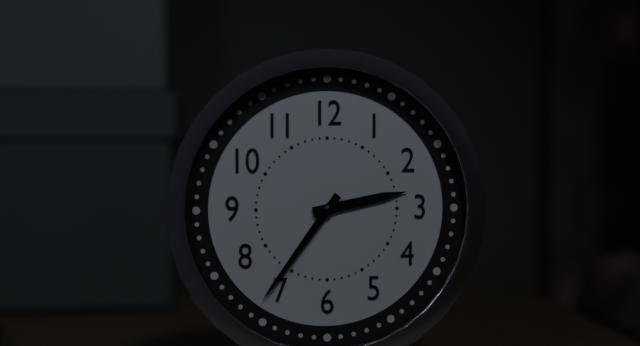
2:36
